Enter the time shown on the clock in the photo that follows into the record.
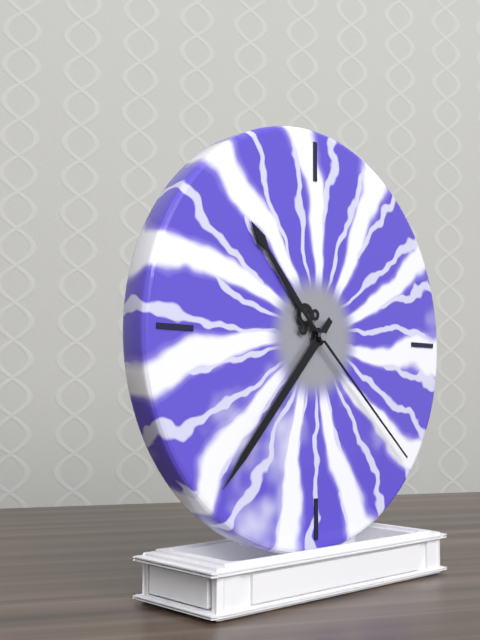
10:37:22
